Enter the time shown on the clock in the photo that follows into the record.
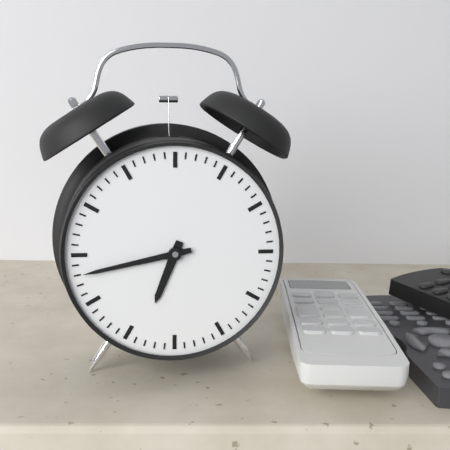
6:43
